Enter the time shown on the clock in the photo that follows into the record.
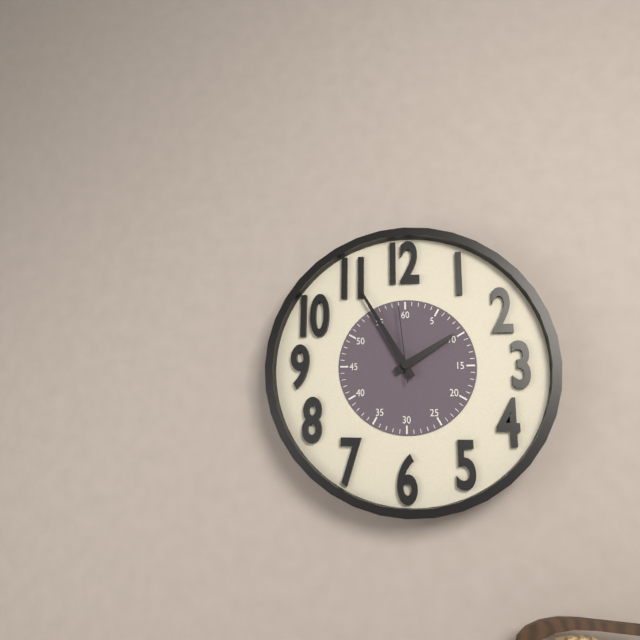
1:55:59
